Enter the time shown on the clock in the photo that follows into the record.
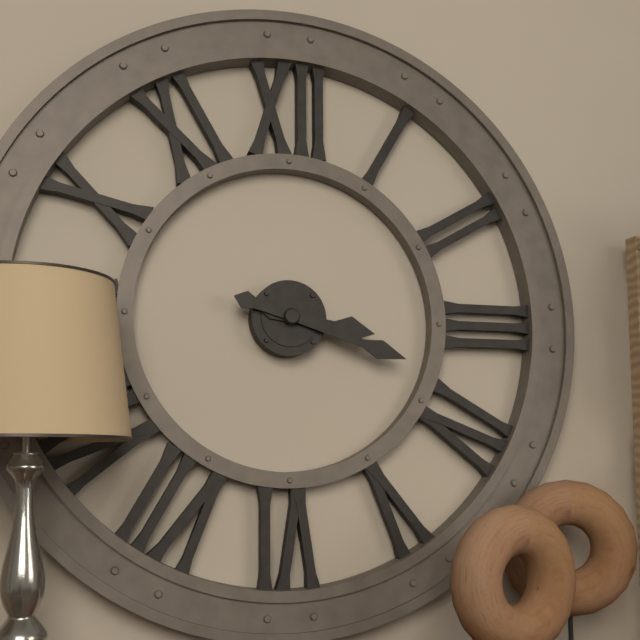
3:18
